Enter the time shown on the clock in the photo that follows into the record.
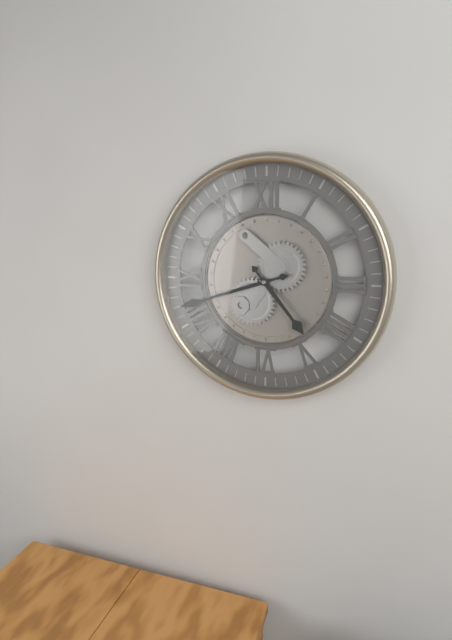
4:42
